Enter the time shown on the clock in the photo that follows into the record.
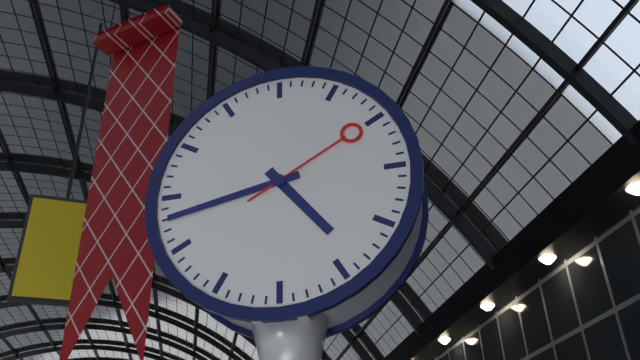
4:43:10
